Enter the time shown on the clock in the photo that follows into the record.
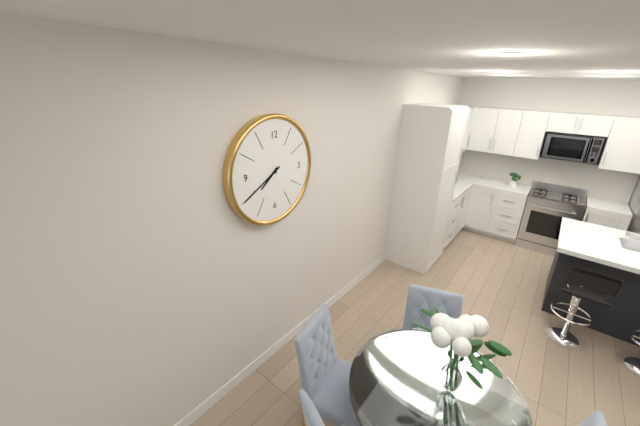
7:40
